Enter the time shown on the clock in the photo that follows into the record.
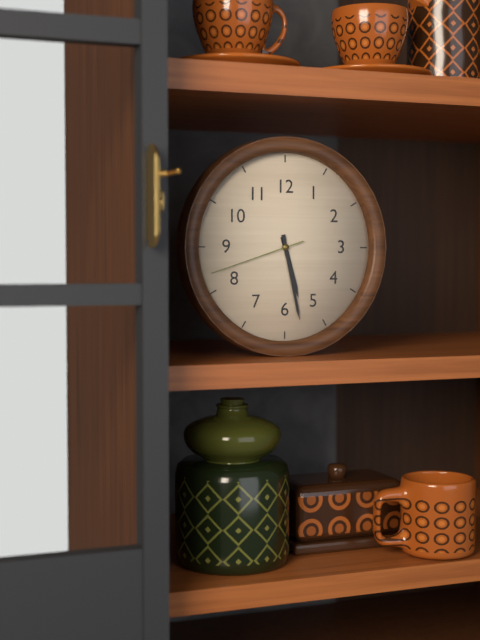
5:28:42
